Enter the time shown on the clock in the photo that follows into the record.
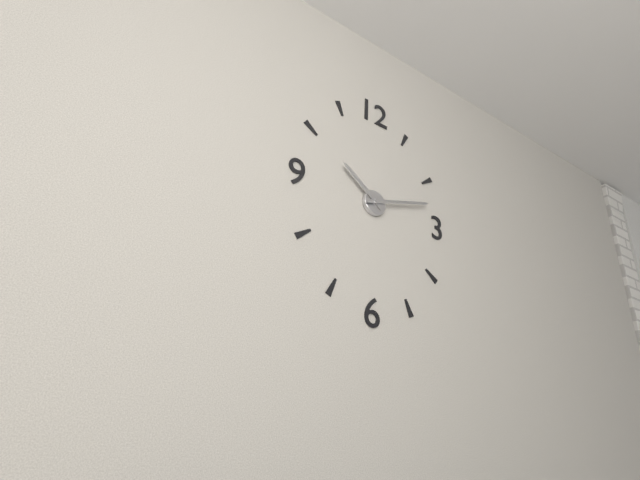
10:12
